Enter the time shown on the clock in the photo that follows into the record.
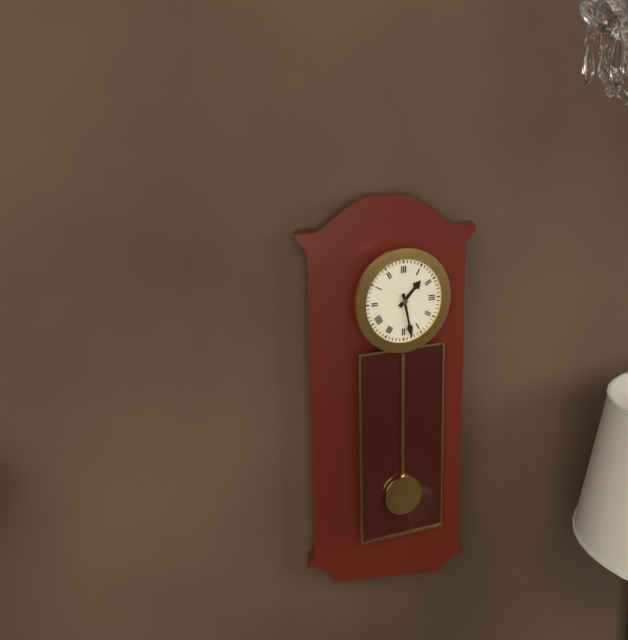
1:28
